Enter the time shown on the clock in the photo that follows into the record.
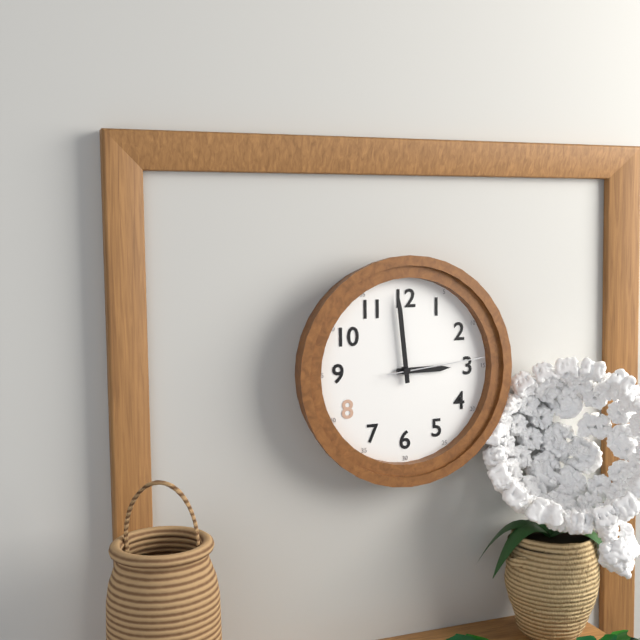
2:59:14
